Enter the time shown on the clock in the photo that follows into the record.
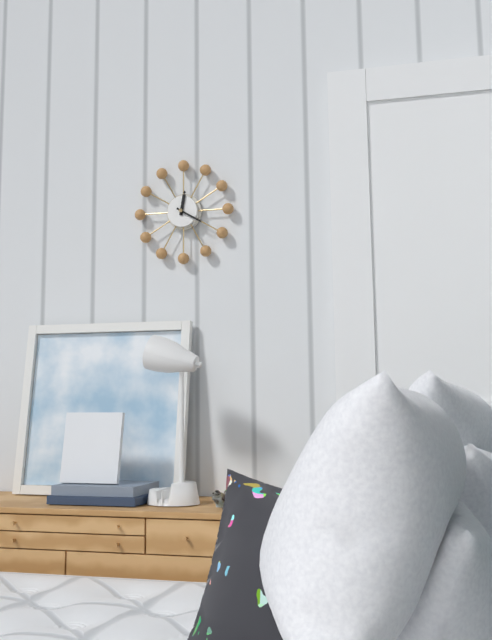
12:20
